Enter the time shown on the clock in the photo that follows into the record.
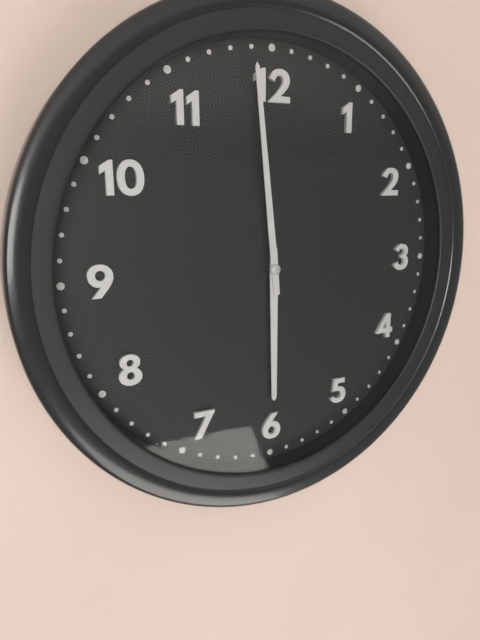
5:59
